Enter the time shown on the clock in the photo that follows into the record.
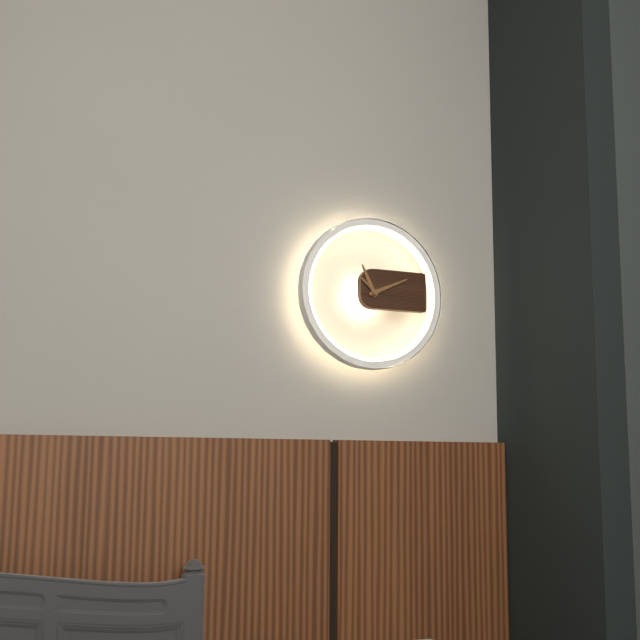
11:11
